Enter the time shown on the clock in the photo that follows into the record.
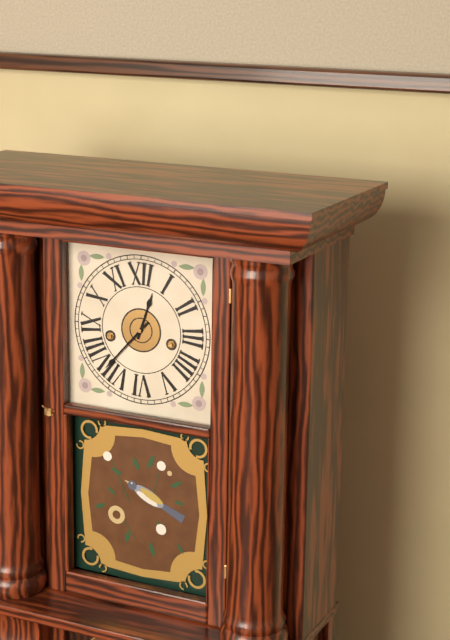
12:37
